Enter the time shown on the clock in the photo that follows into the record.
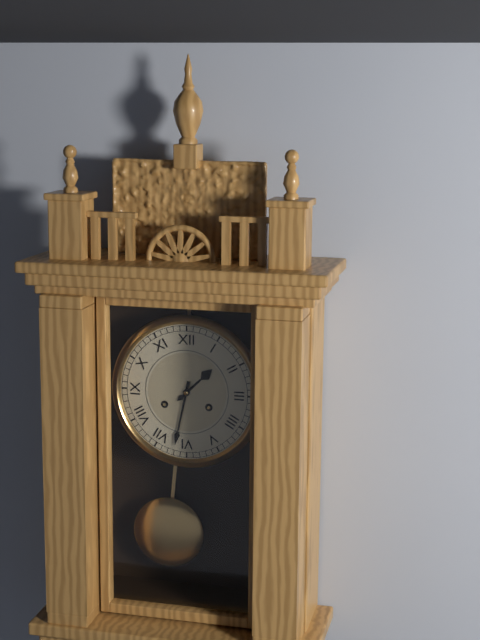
1:32
